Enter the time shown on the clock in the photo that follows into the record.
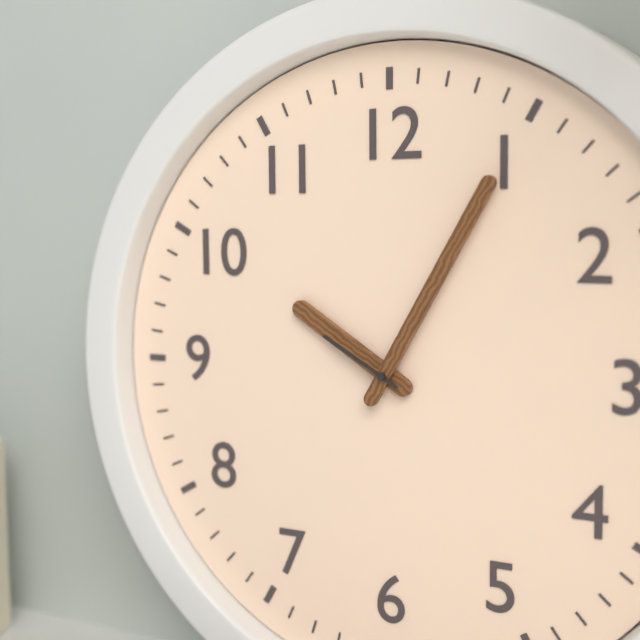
10:05:50
